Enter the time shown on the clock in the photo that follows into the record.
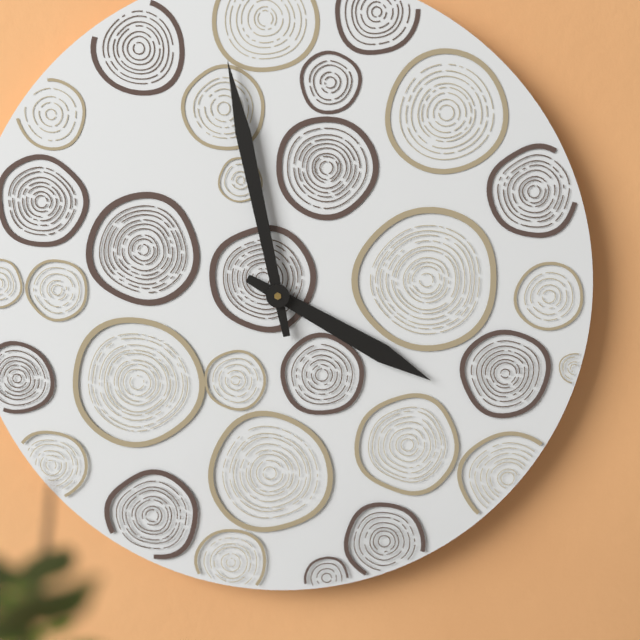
3:58
